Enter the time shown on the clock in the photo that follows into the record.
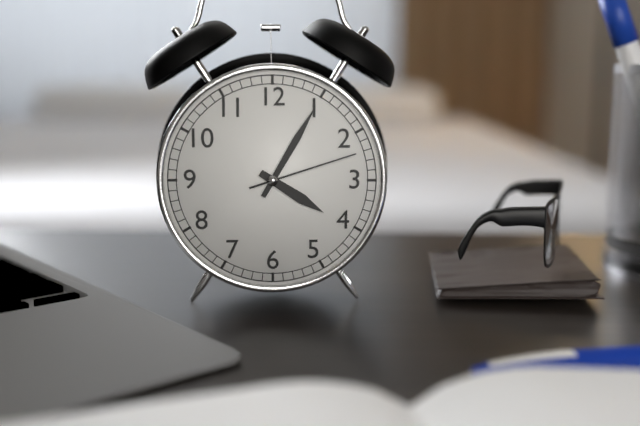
4:05:12
